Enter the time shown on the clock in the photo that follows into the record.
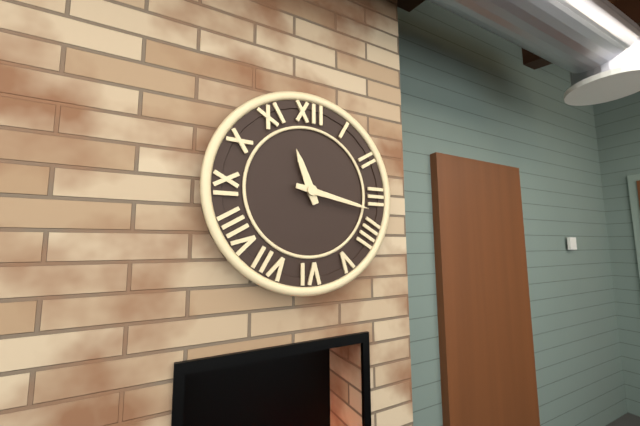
11:17
